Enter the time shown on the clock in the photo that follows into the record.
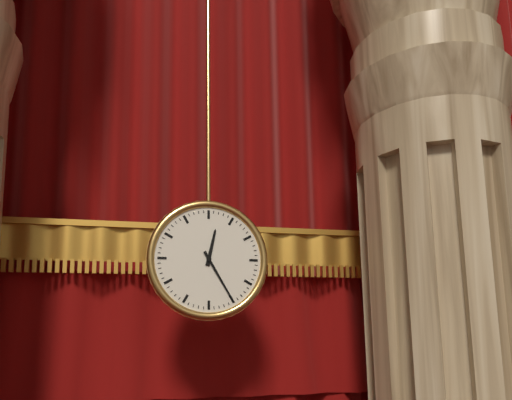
12:25
